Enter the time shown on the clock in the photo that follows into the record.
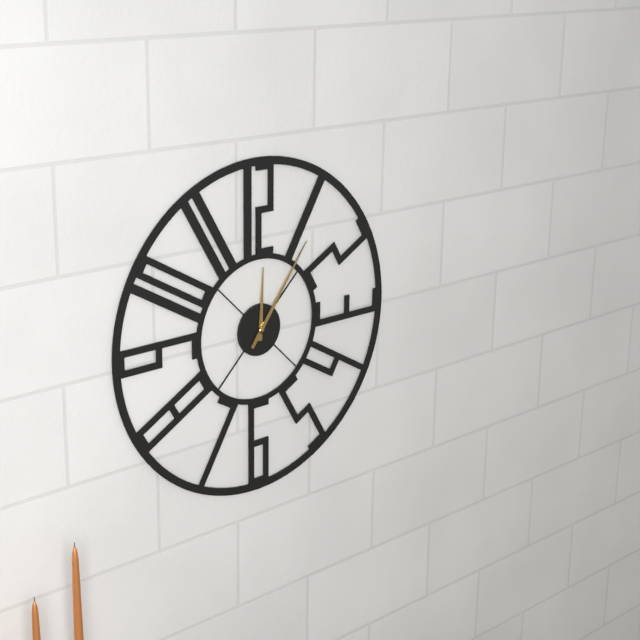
12:06
